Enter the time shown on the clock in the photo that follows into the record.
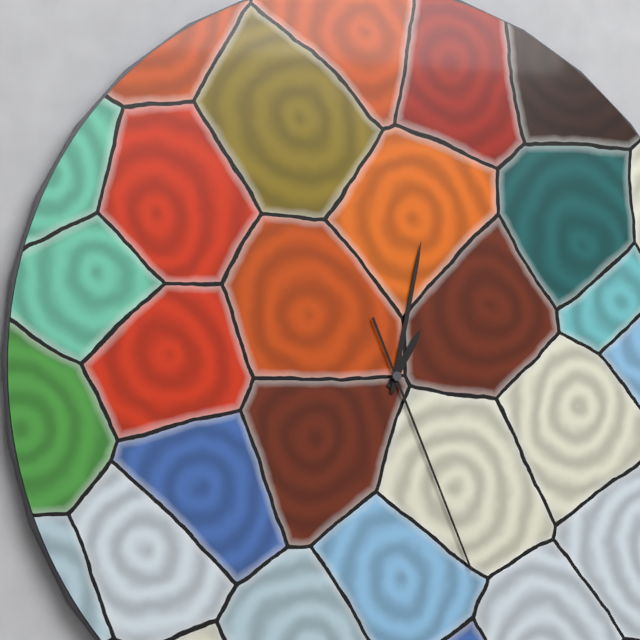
1:02:26
